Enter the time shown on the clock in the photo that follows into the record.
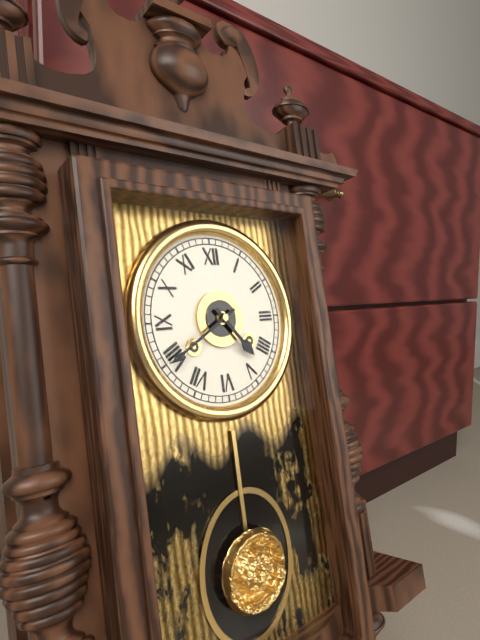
4:40
